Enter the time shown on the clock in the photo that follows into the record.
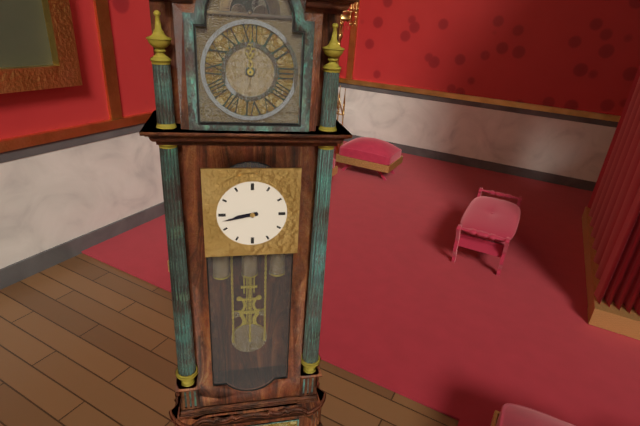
8:43
